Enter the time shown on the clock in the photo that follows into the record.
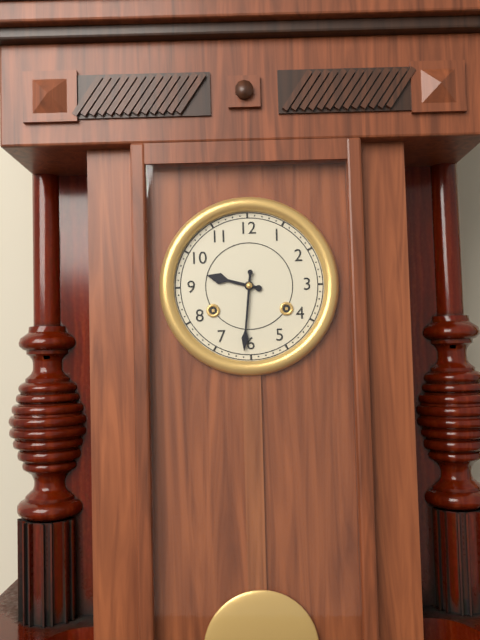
9:31
